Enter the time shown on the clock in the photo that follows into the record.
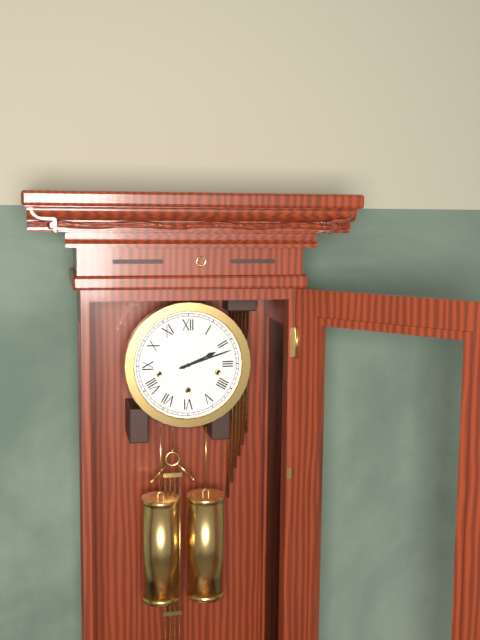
2:12
